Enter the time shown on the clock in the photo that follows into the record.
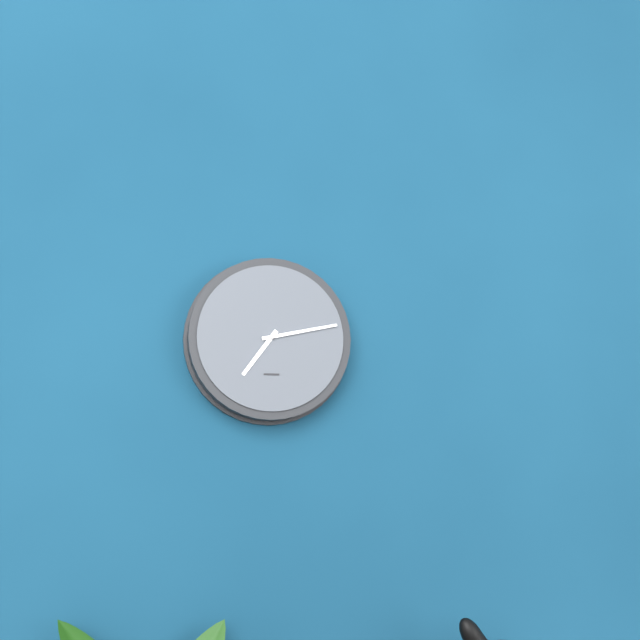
7:13
